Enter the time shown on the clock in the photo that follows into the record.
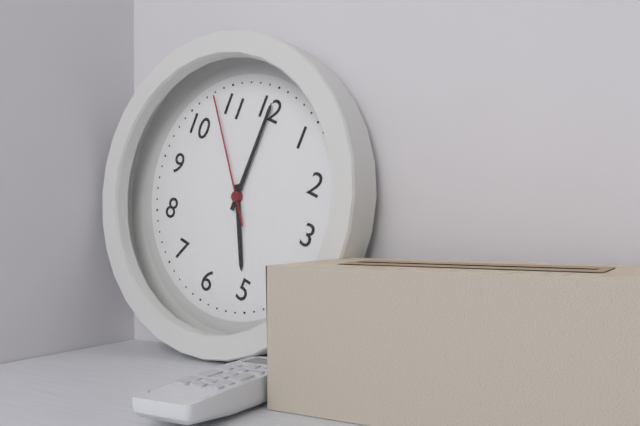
5:00:53
